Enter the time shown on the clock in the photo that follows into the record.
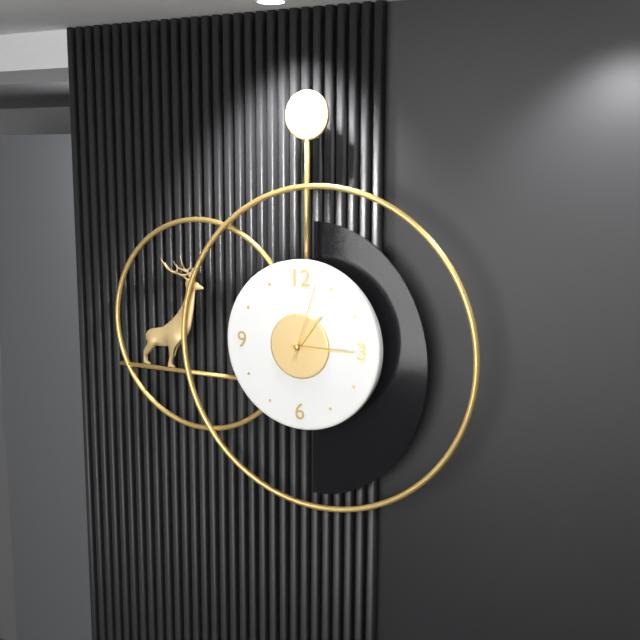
1:15:03
